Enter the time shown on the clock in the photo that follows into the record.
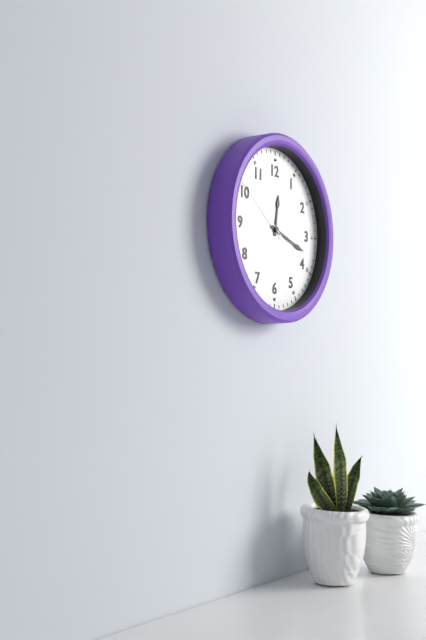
12:18:51
